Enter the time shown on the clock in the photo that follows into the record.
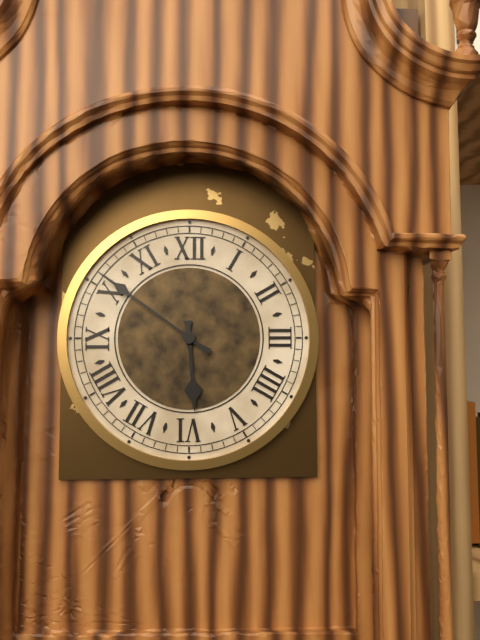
5:51
